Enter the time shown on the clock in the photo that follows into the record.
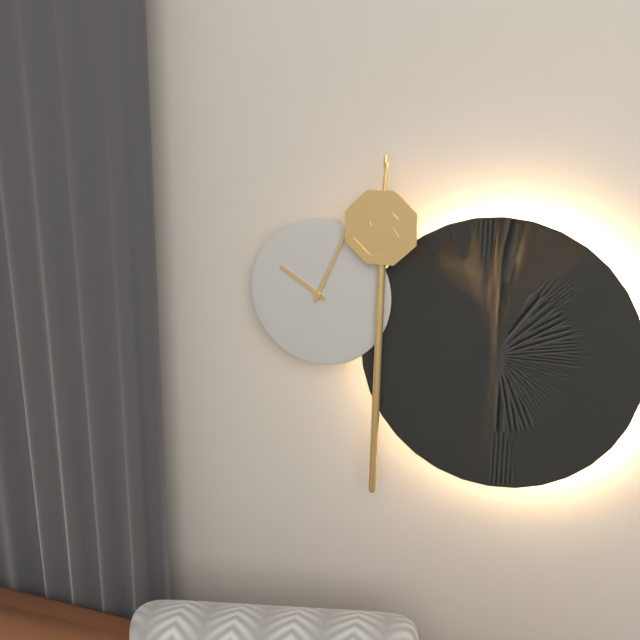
10:04
